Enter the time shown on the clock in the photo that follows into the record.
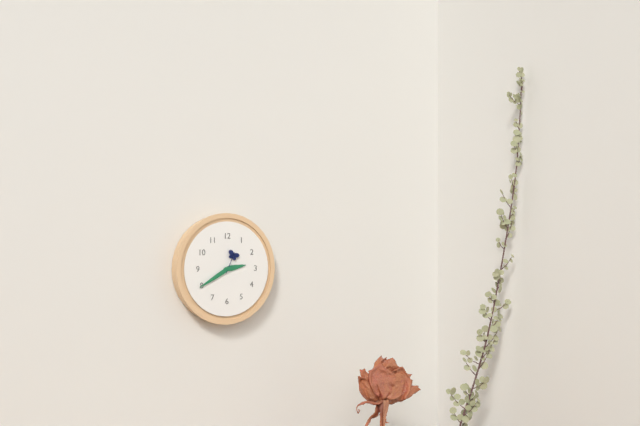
2:40
